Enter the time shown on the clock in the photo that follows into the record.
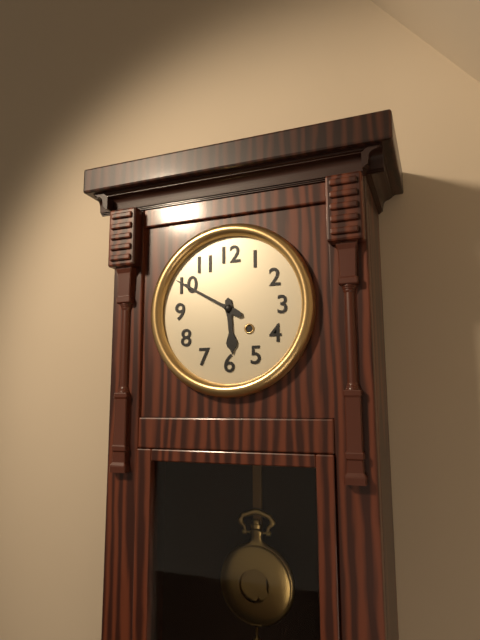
5:50
